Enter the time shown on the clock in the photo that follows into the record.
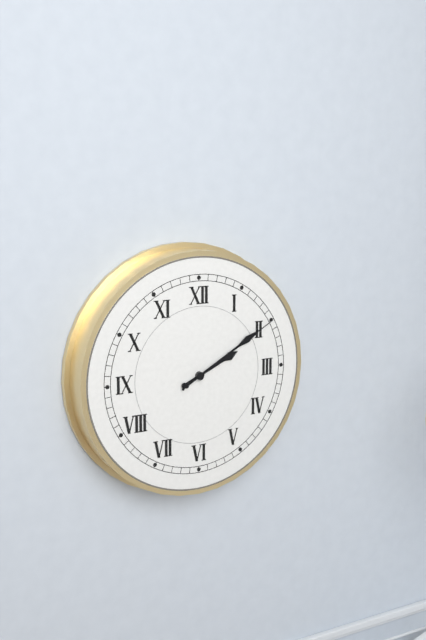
2:10:10
